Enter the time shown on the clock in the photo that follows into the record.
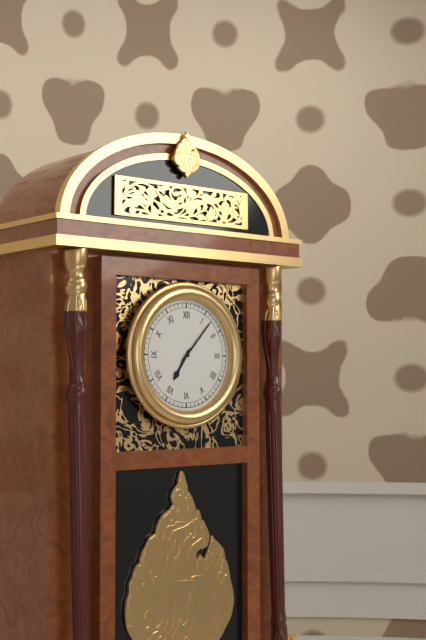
7:07
